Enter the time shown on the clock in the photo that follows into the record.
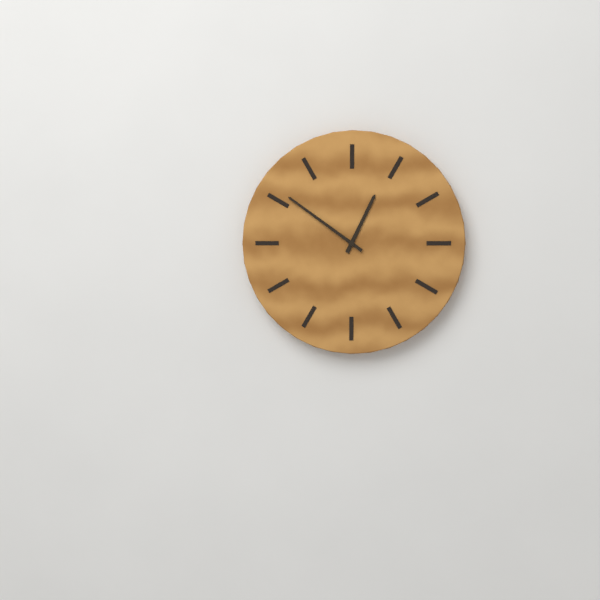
12:51
